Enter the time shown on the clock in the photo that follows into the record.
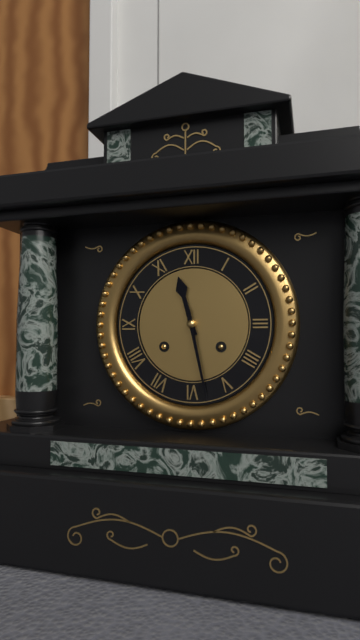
11:28
